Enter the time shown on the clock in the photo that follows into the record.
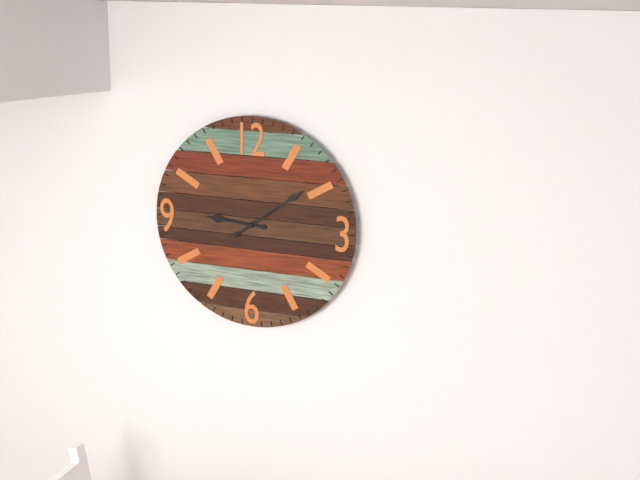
9:09
